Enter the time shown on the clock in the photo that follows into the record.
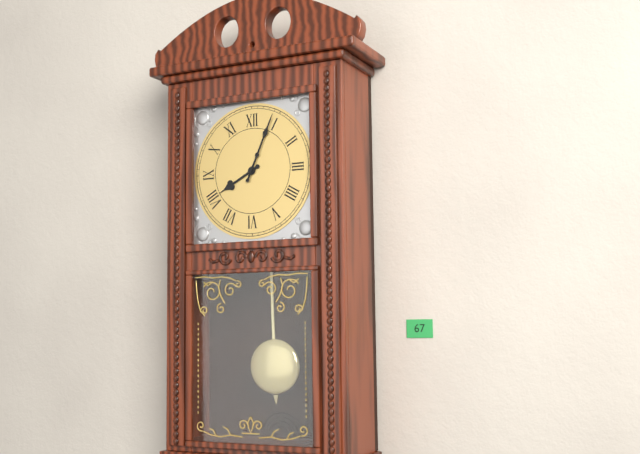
8:04
